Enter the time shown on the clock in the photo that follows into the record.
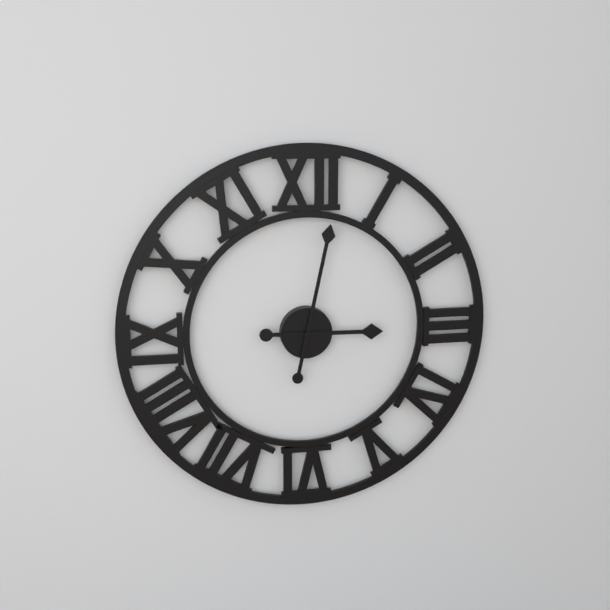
3:02
